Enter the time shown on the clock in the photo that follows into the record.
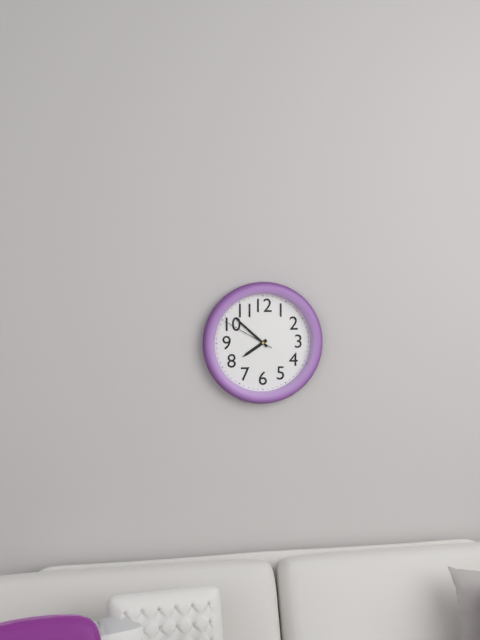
7:52:50
